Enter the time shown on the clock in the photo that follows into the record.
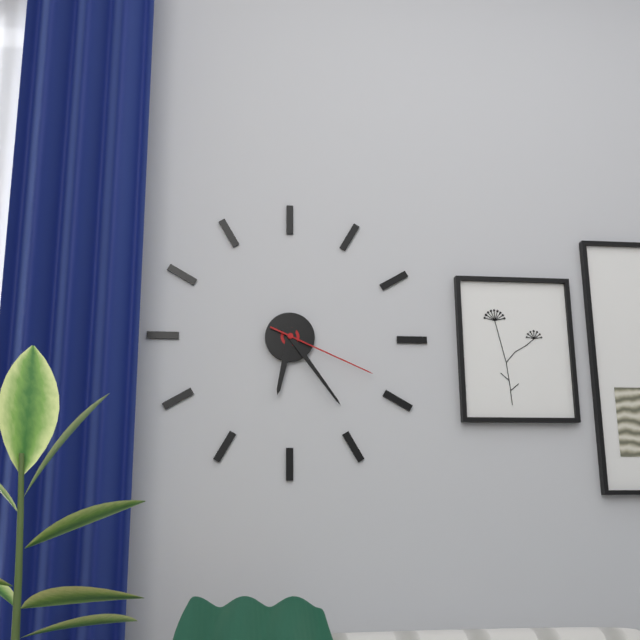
6:24:19
